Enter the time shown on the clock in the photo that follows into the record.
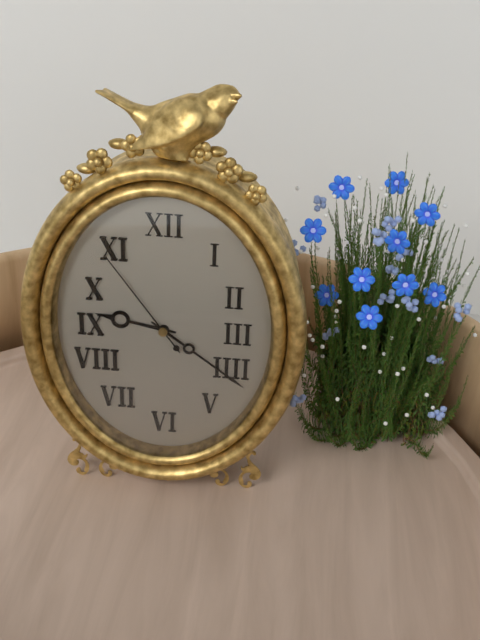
9:21:54
